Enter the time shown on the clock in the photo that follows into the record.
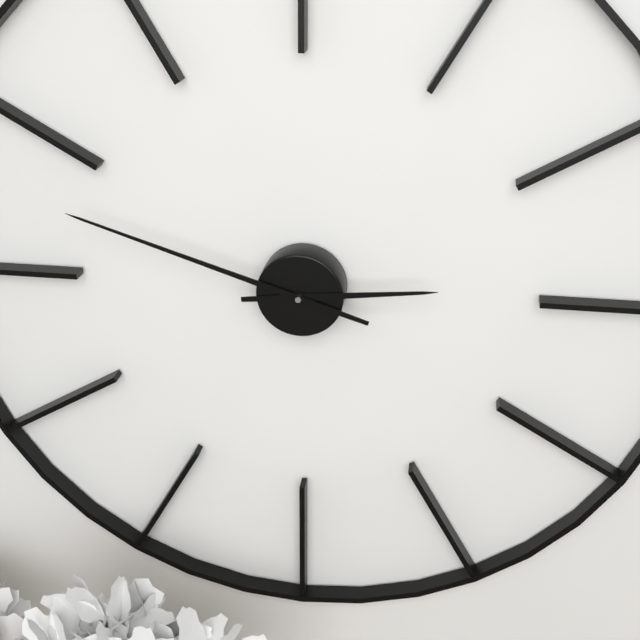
2:48
